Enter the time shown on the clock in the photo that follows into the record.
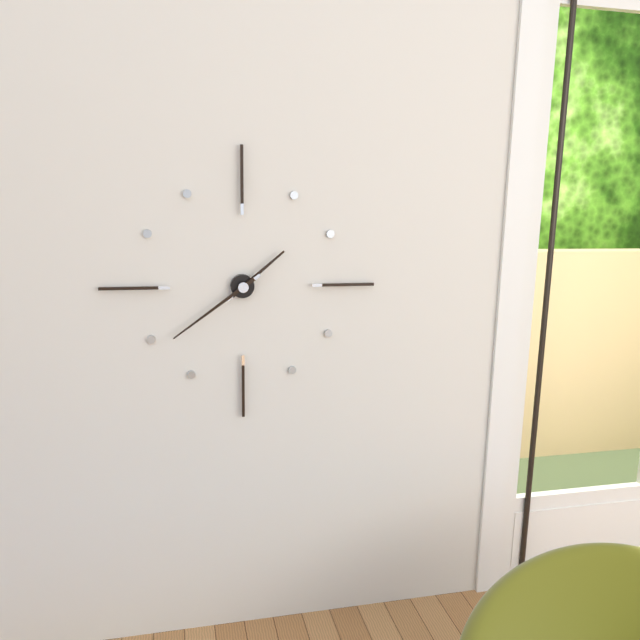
1:39
